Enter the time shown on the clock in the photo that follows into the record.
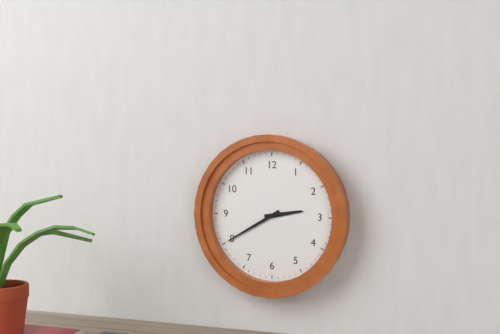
2:40
